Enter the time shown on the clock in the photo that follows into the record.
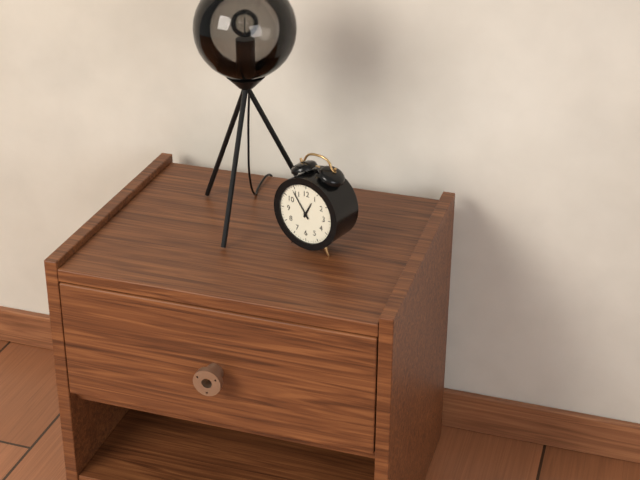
12:54
